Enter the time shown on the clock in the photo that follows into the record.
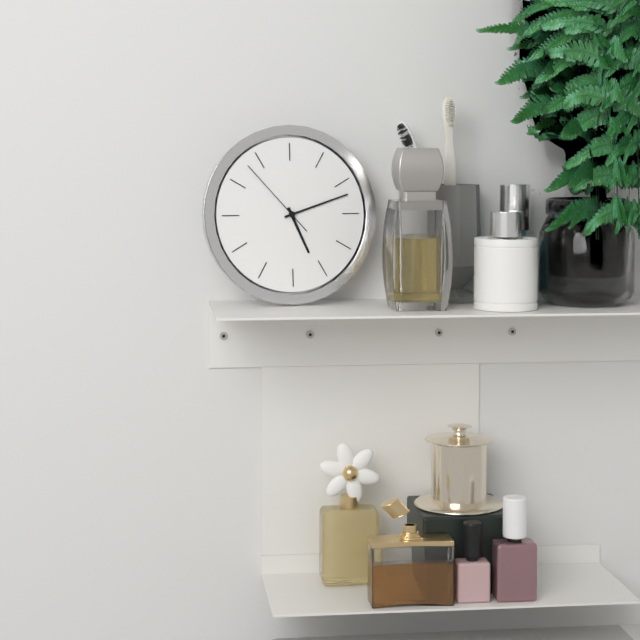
5:12:53
